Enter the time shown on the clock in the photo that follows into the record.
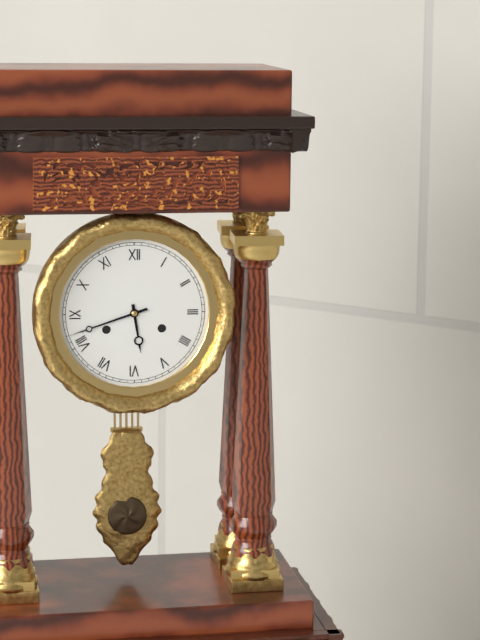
5:42
